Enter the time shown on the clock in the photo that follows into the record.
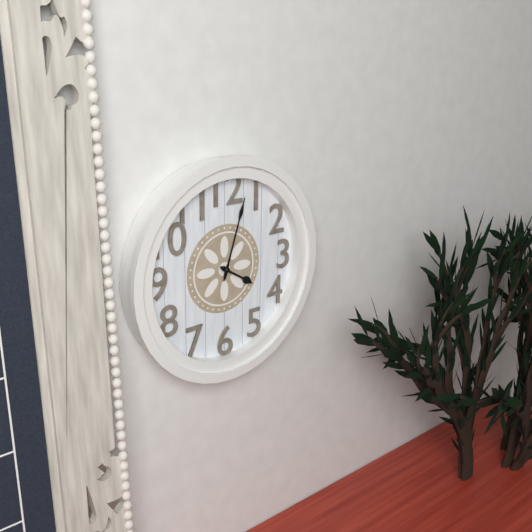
4:03
